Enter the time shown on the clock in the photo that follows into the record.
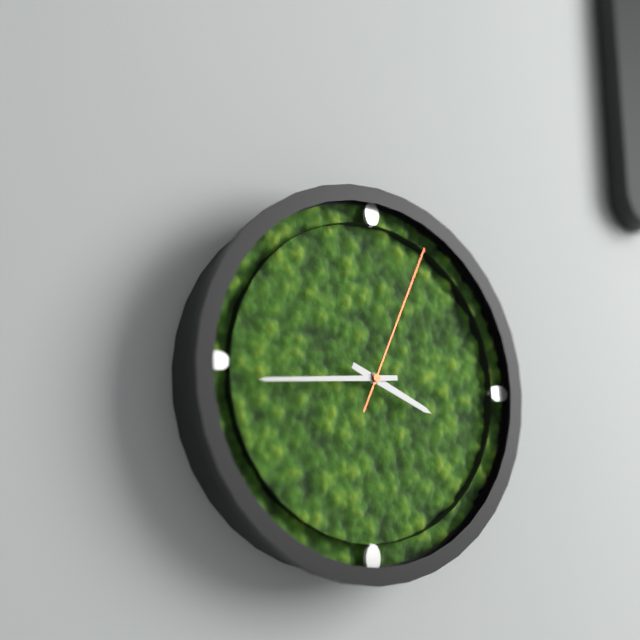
3:44:04
